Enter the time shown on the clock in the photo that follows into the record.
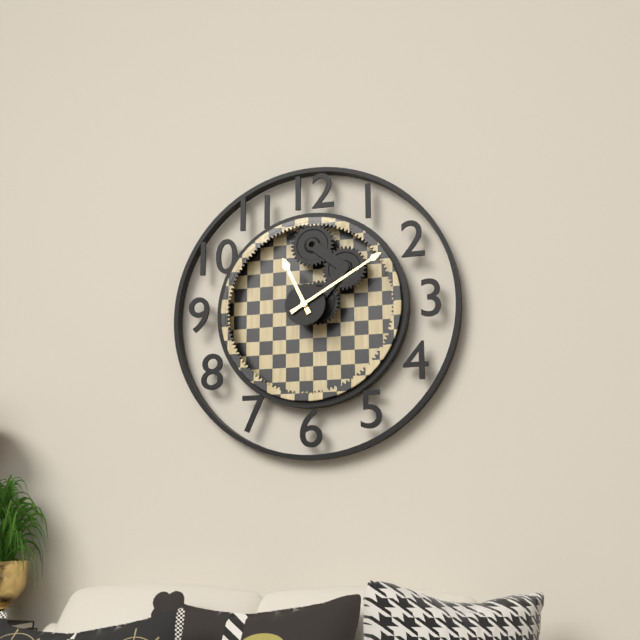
11:10
